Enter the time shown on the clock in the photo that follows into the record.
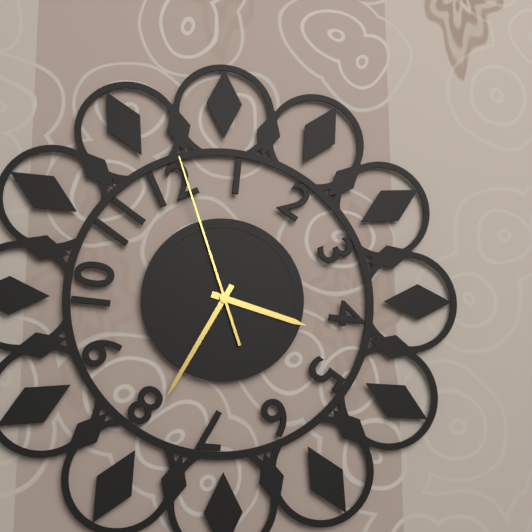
3:35:57
